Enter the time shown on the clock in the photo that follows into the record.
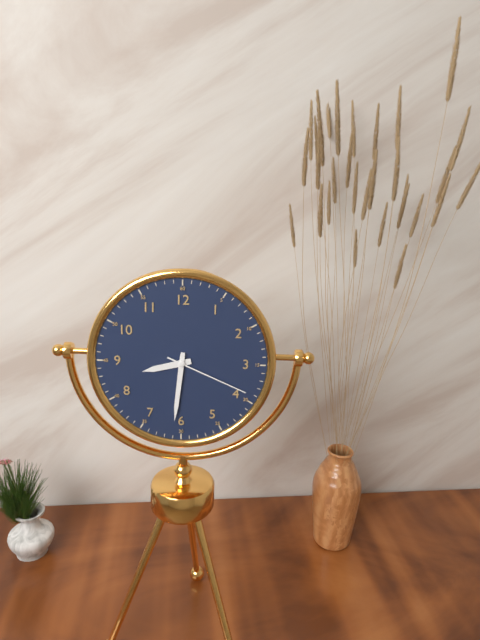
8:31:19
